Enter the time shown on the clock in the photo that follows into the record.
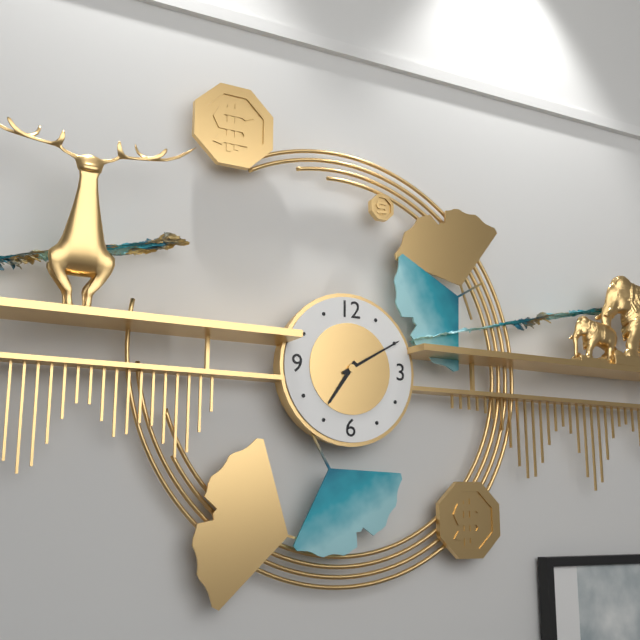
7:10
